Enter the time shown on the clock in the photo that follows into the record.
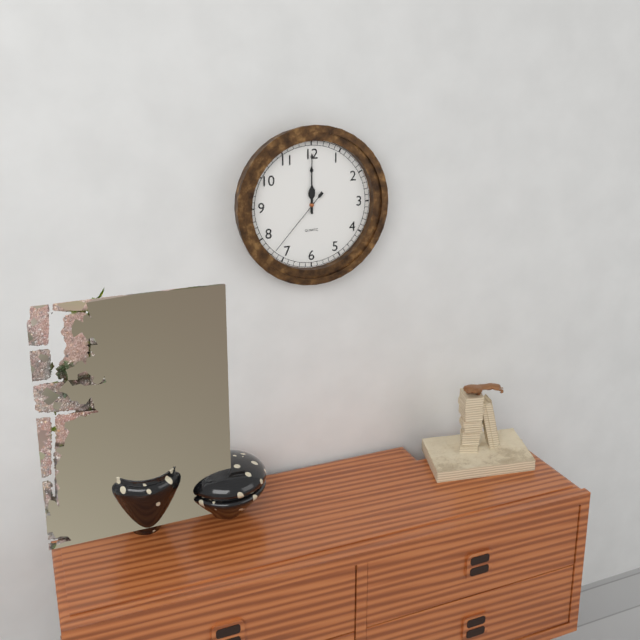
12:00:37
